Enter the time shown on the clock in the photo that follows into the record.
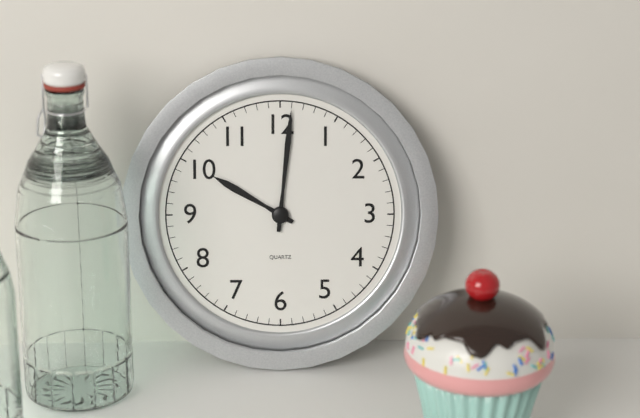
10:01
